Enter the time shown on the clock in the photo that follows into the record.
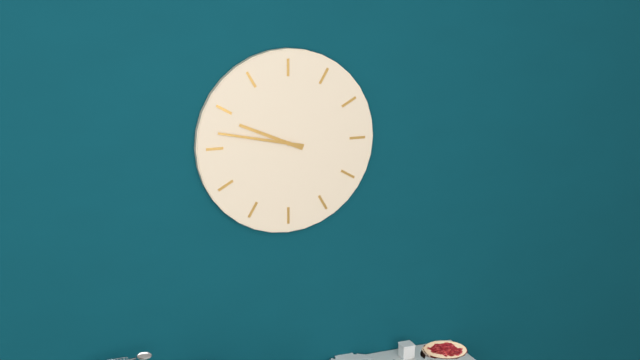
9:47
